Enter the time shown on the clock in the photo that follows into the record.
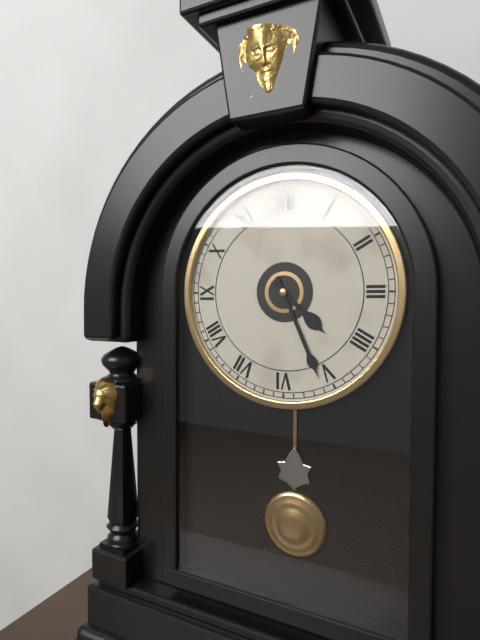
4:26
